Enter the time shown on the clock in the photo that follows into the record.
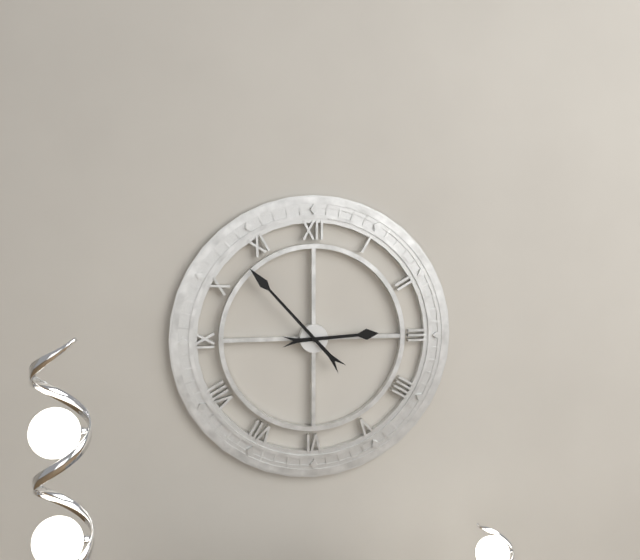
2:53
